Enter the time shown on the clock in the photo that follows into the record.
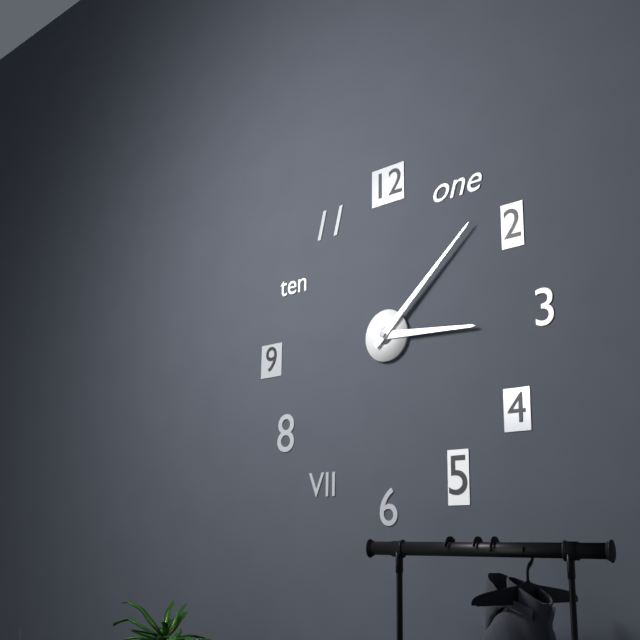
3:08
